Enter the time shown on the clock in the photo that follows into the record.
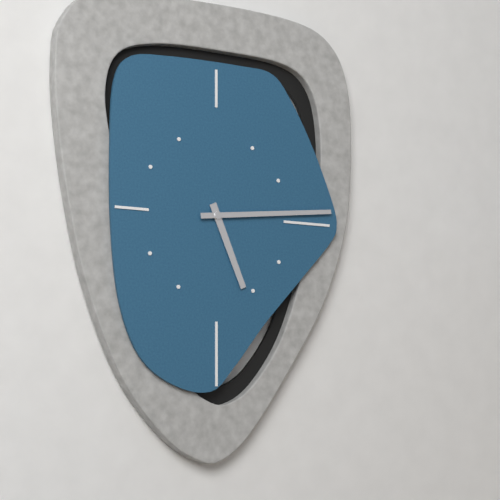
5:14
